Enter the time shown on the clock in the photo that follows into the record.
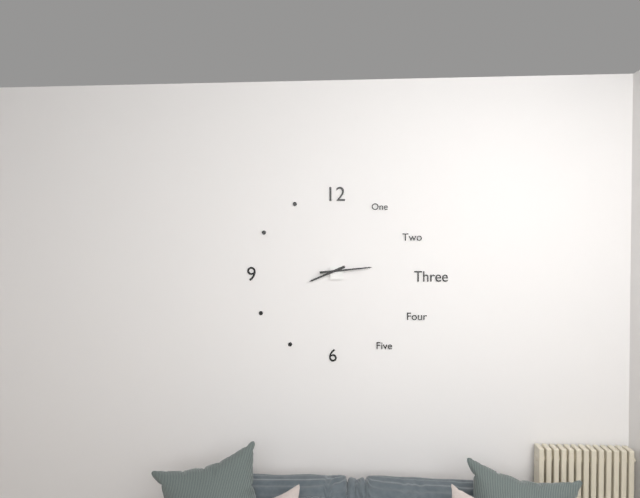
8:14
